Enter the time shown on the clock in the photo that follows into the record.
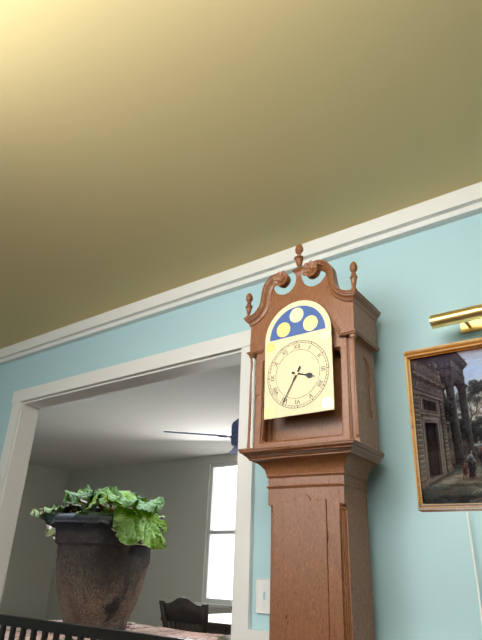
3:35
